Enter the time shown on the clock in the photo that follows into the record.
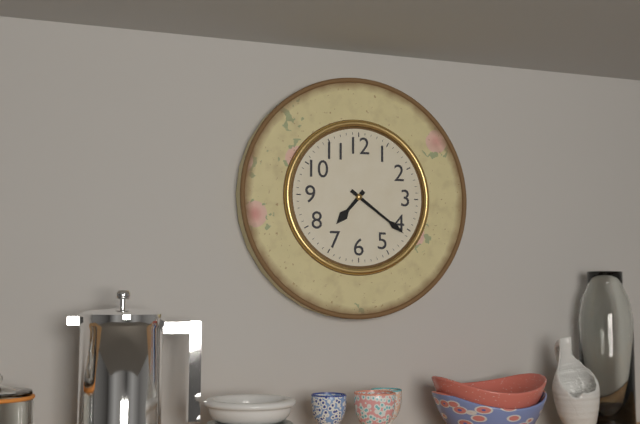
7:21
